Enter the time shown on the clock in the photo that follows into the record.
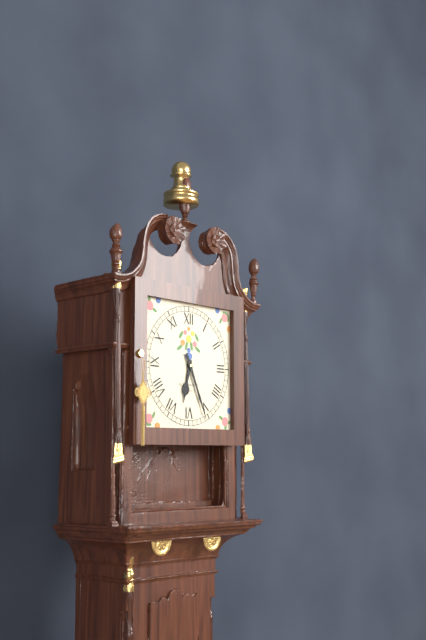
6:26
